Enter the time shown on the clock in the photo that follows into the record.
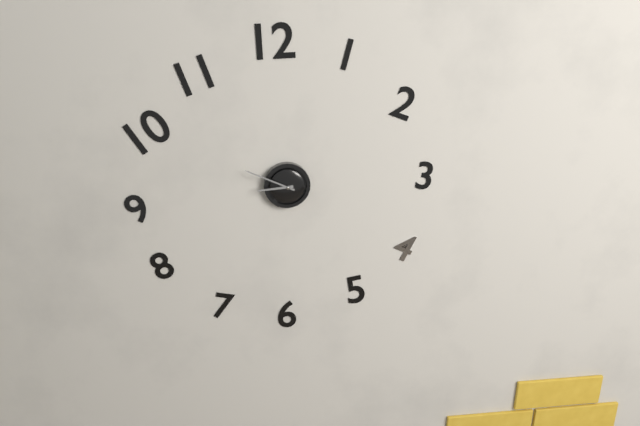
8:49
